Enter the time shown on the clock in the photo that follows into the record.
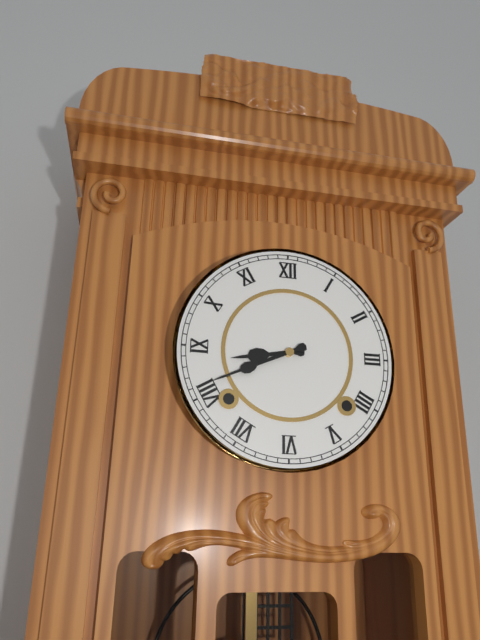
8:41
